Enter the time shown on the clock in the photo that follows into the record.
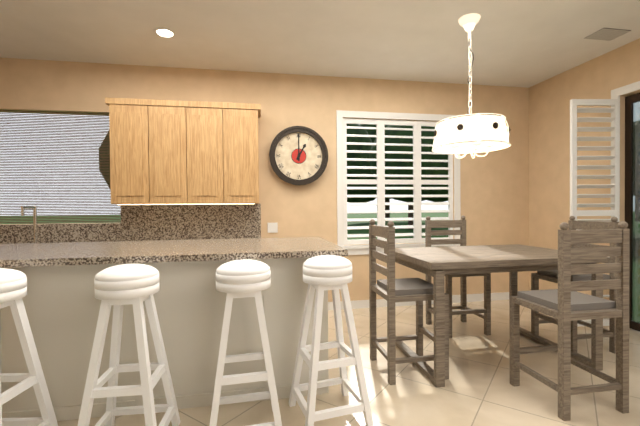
1:00
